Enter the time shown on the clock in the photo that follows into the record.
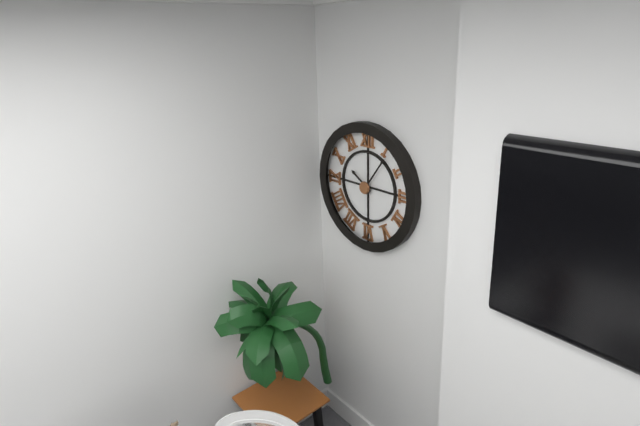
10:06
